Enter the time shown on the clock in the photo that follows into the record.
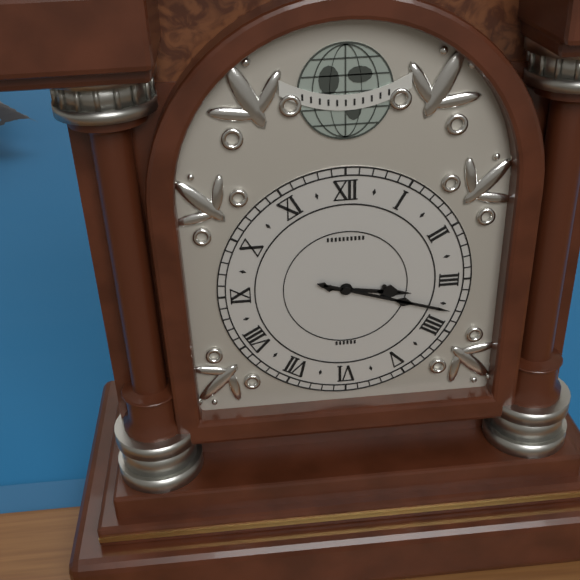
3:18
